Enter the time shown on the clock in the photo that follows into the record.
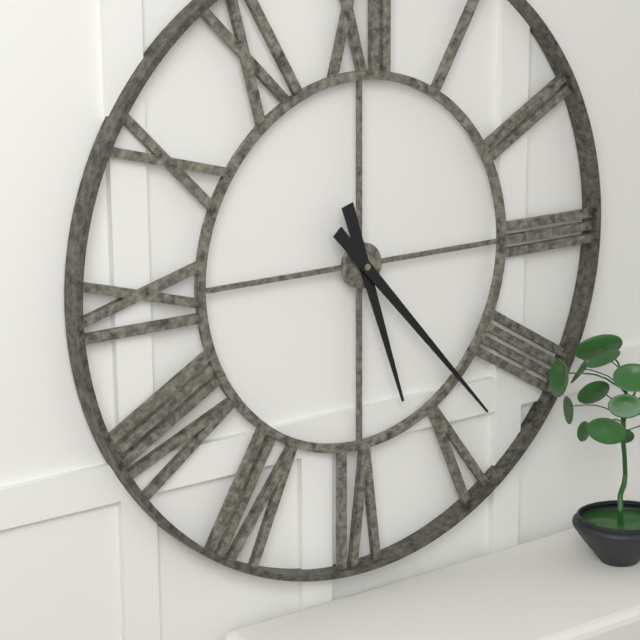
5:23
